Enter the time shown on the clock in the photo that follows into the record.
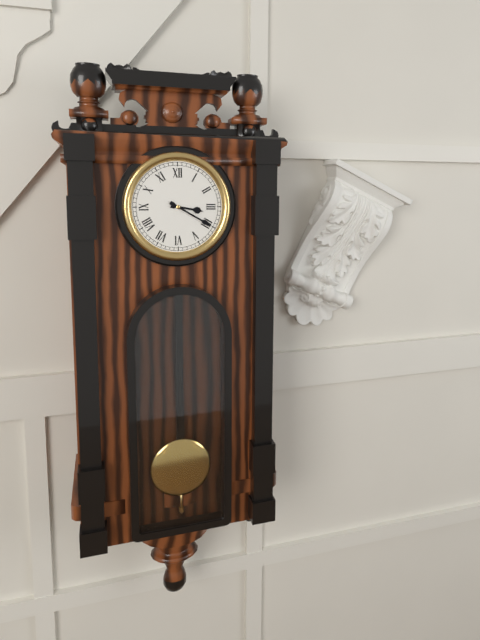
3:20
